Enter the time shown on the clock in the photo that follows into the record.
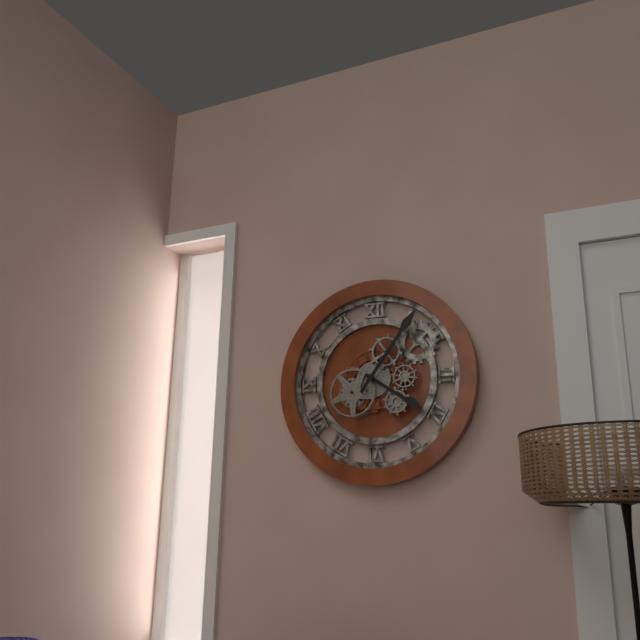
4:06
